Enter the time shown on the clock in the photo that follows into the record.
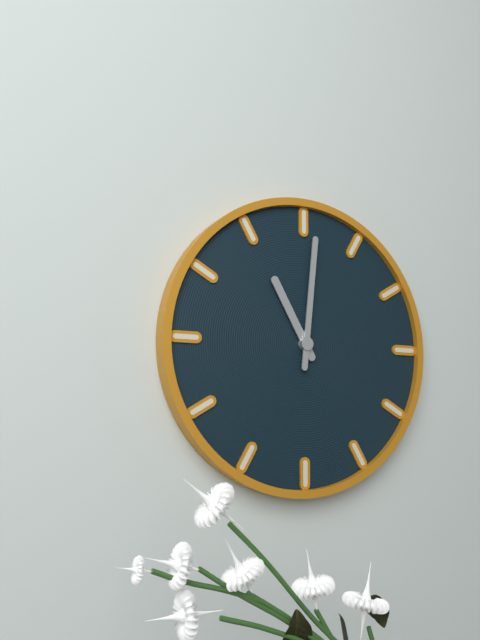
11:01
